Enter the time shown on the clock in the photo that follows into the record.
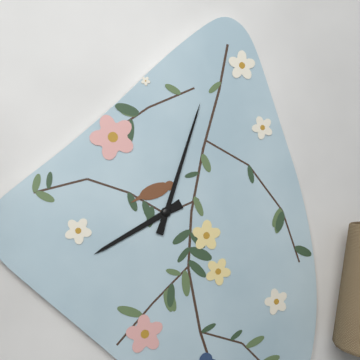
8:03
